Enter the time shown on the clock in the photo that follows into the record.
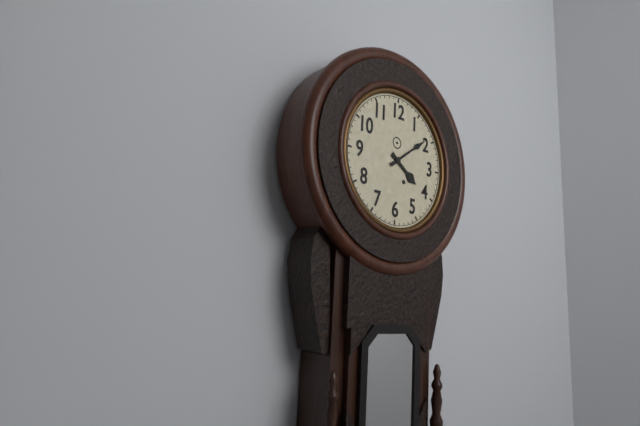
4:09
